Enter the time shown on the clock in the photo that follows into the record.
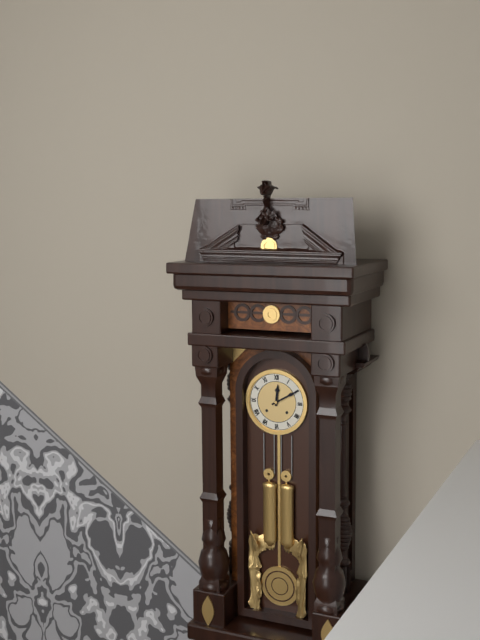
12:10
